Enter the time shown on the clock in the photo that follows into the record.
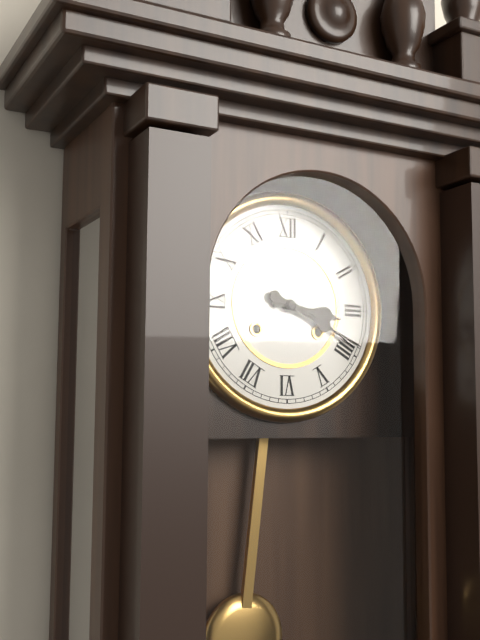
3:19
